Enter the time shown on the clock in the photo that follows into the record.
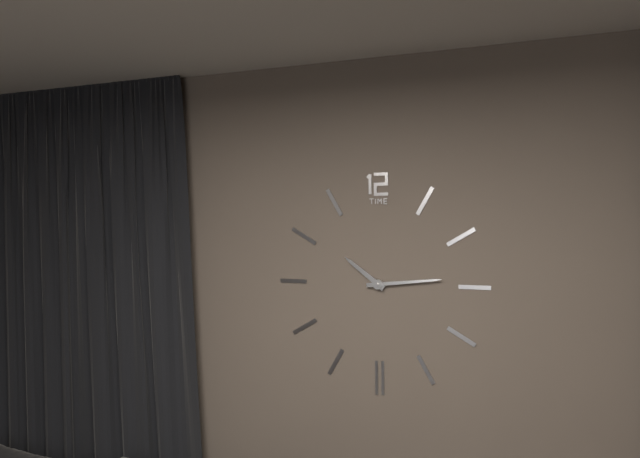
10:14
